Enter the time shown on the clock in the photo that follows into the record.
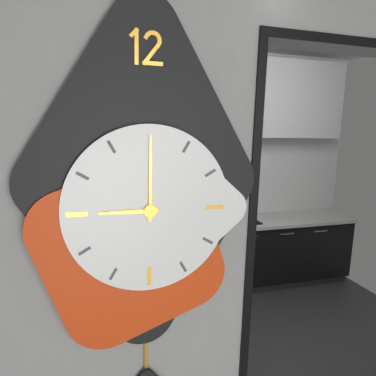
9:00
